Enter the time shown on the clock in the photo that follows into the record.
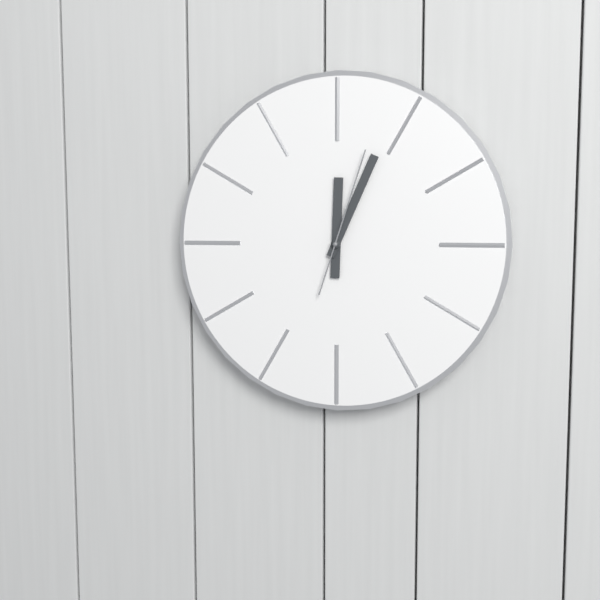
12:04:03
